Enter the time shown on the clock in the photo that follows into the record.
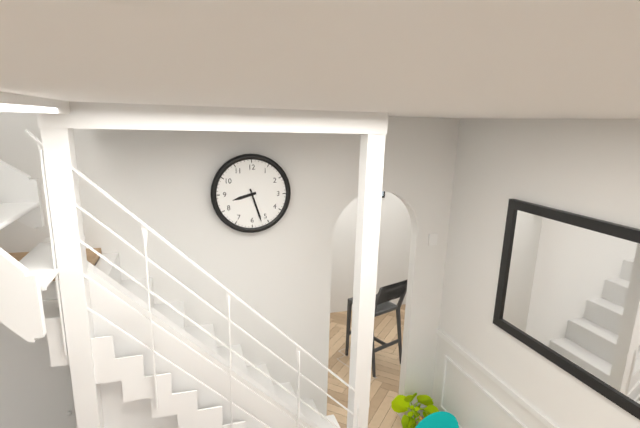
8:27
